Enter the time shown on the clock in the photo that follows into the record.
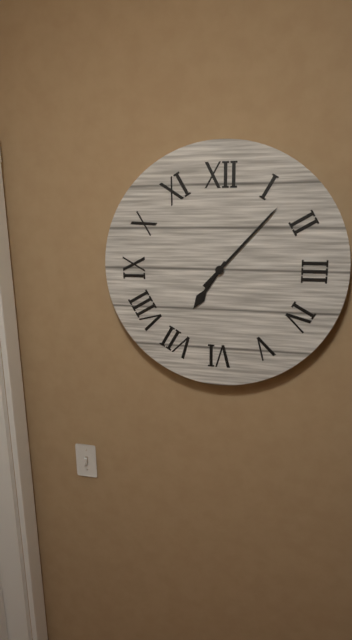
7:07
